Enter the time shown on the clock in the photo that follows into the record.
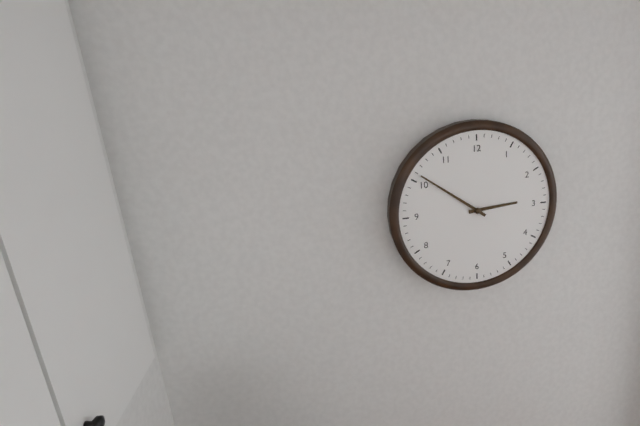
2:51
